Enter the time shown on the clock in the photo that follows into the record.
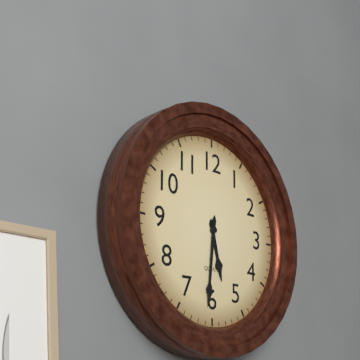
5:31
